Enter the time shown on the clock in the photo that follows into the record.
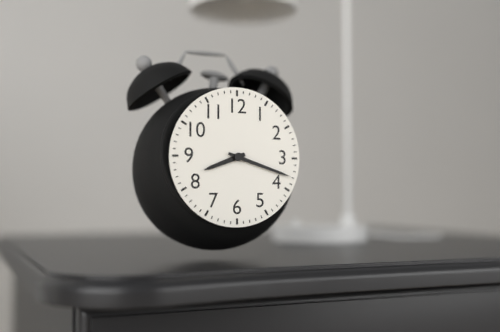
8:18
